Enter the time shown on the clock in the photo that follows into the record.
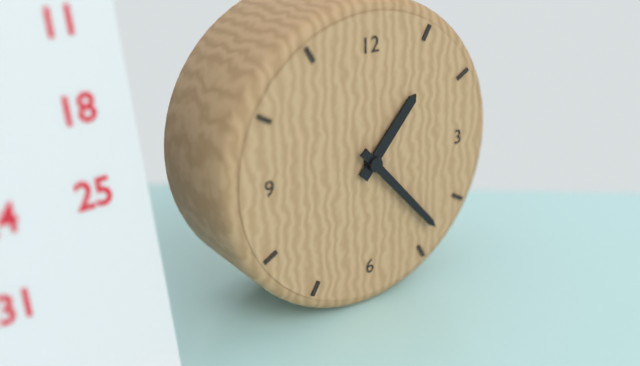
1:23
